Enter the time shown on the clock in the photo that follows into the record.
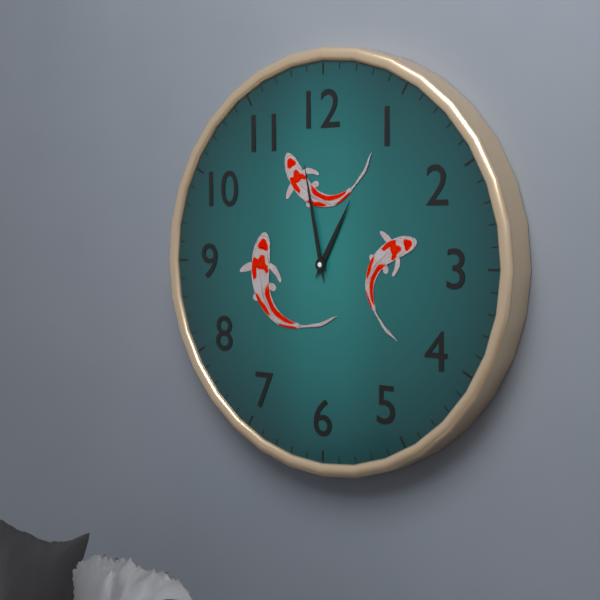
12:58
